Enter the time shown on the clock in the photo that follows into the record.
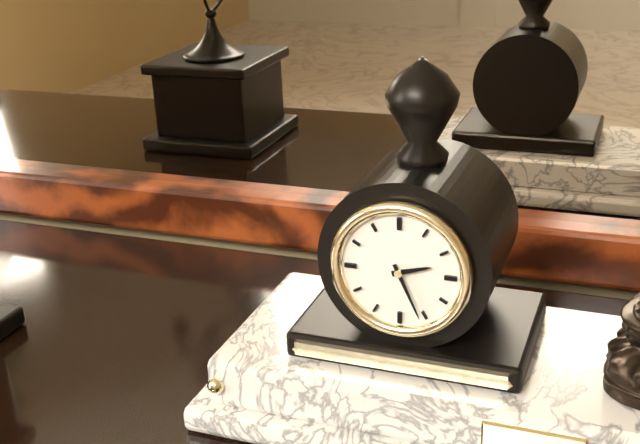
2:26
